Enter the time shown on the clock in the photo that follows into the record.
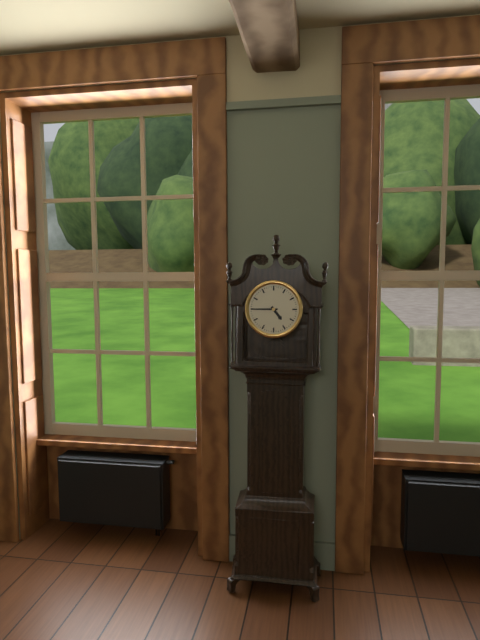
4:45
